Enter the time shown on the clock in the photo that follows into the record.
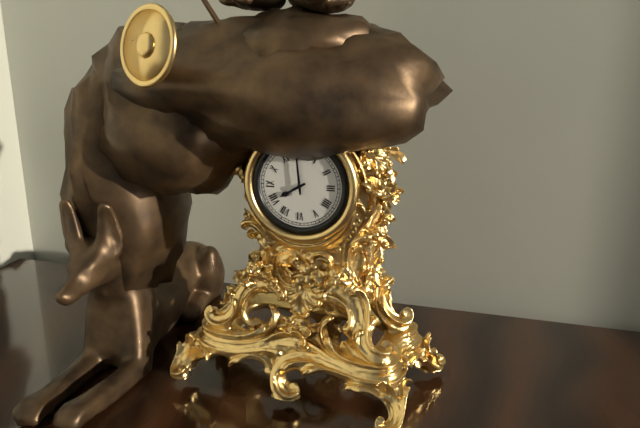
7:59
